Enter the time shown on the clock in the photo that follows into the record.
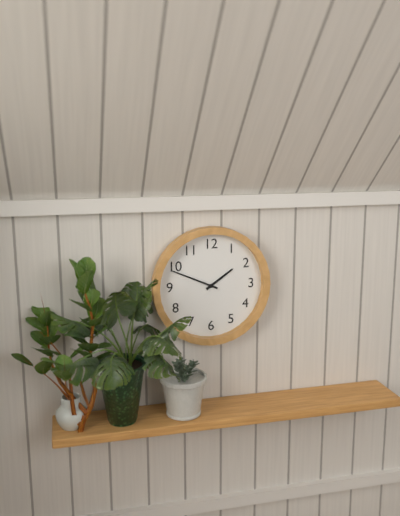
1:49
